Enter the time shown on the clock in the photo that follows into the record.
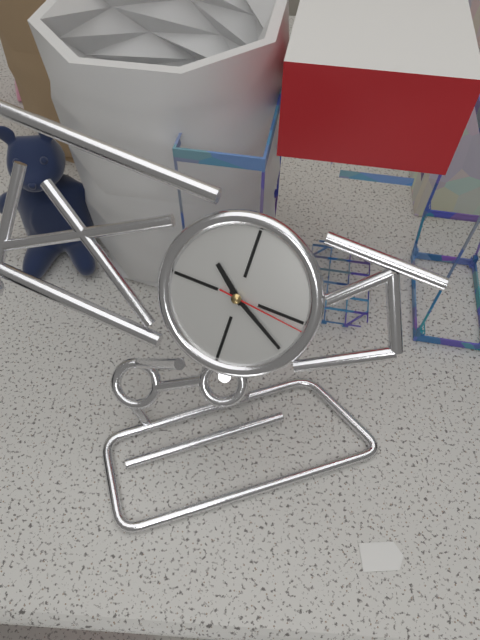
10:20:16
